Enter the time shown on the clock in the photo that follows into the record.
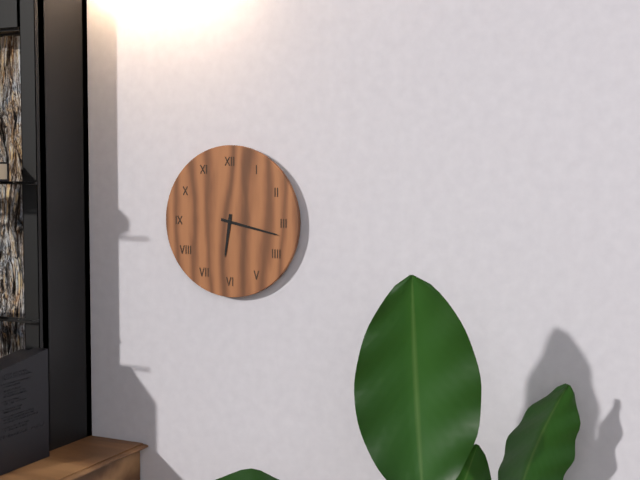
6:17
